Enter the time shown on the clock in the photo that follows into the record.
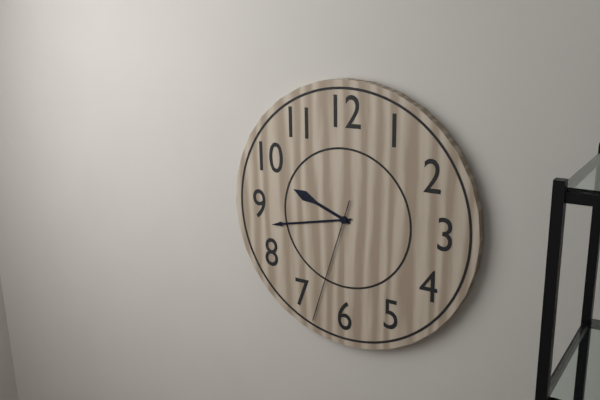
9:43:33
